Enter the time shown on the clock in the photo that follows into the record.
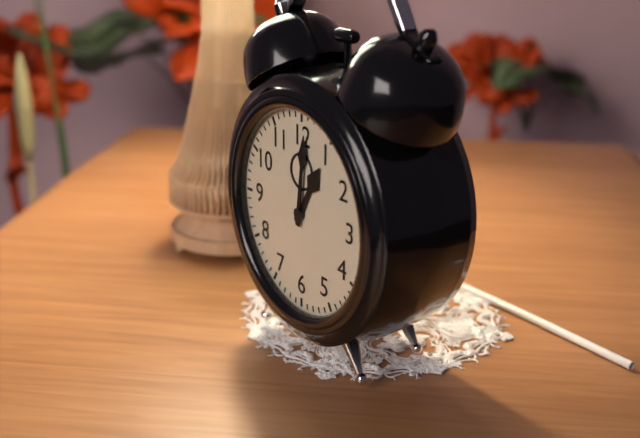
1:01
